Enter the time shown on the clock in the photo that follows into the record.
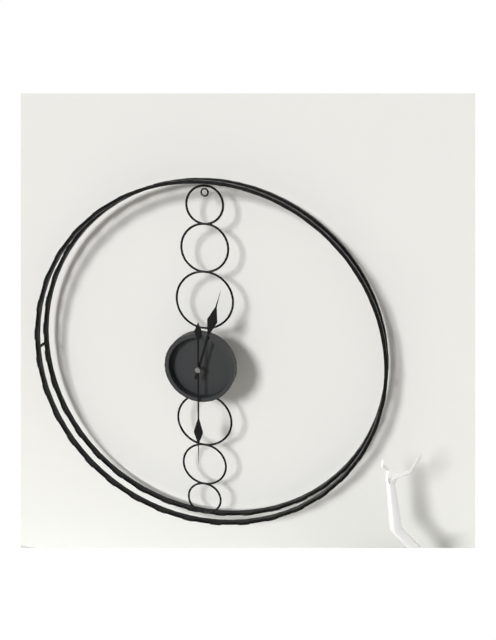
12:30
